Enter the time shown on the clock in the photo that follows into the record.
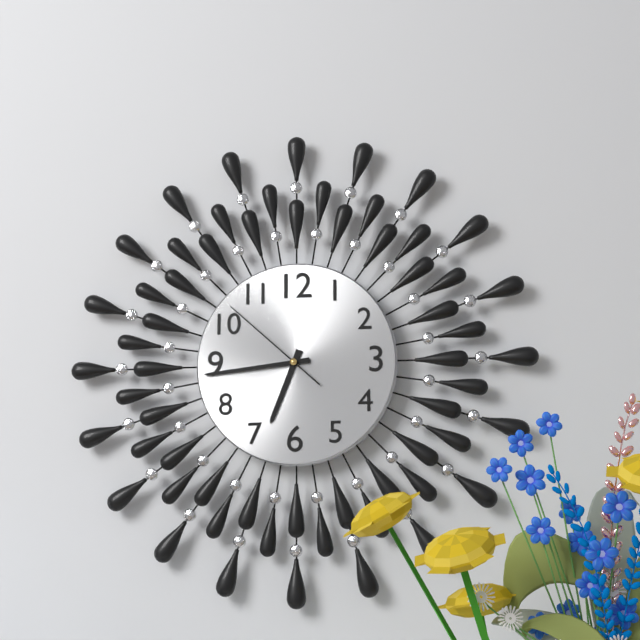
6:44:52
